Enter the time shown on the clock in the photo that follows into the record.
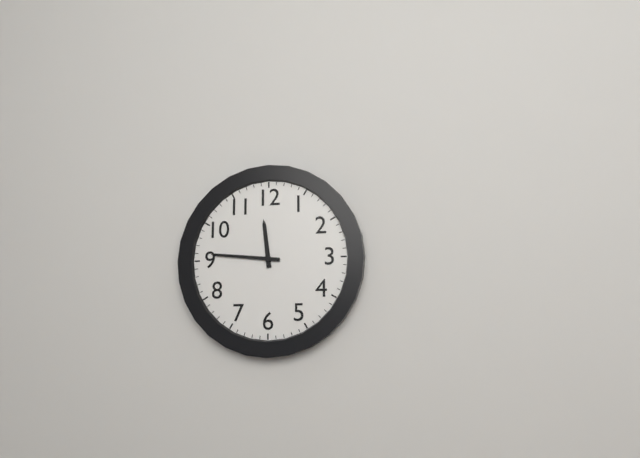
11:46
